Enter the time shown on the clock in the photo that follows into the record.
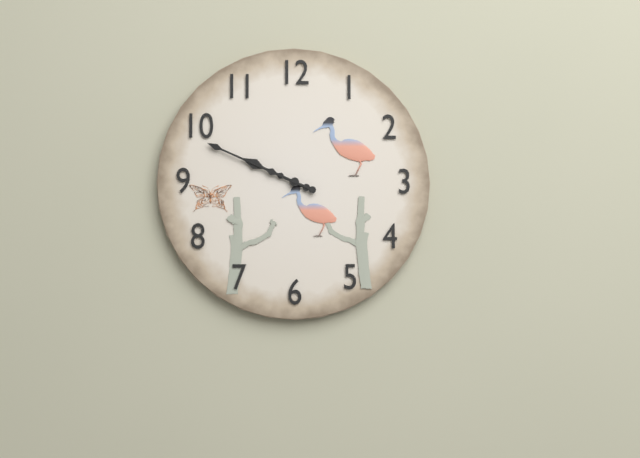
9:49
